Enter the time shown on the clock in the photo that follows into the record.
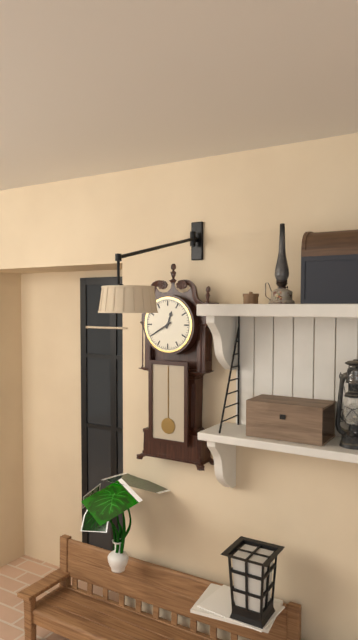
12:40
